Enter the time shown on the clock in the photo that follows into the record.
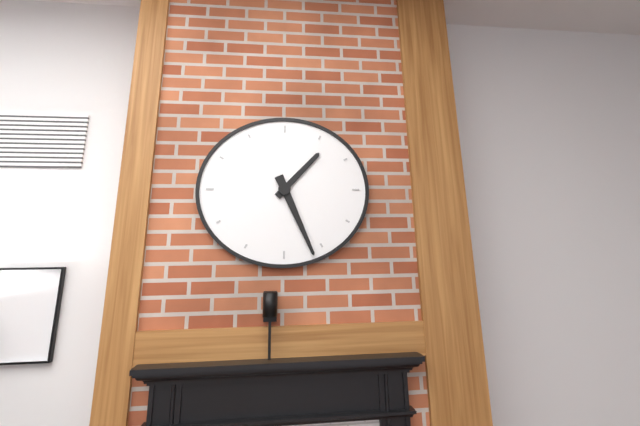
1:26
